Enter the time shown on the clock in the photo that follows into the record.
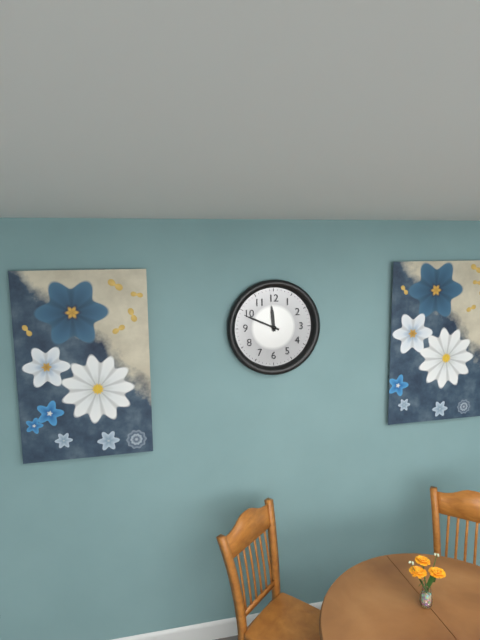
11:49
